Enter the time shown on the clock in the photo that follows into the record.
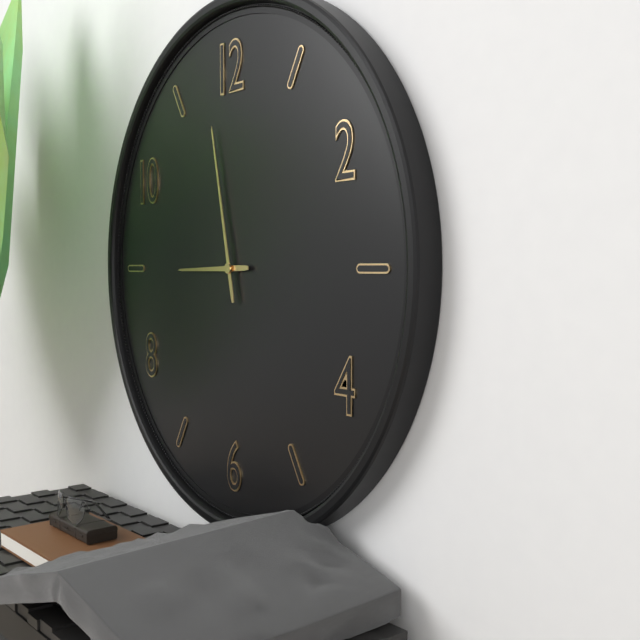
8:58
